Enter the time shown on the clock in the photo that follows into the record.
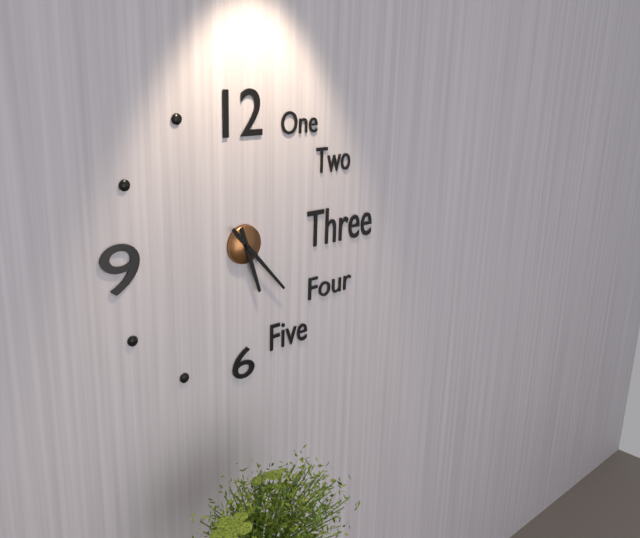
5:23
